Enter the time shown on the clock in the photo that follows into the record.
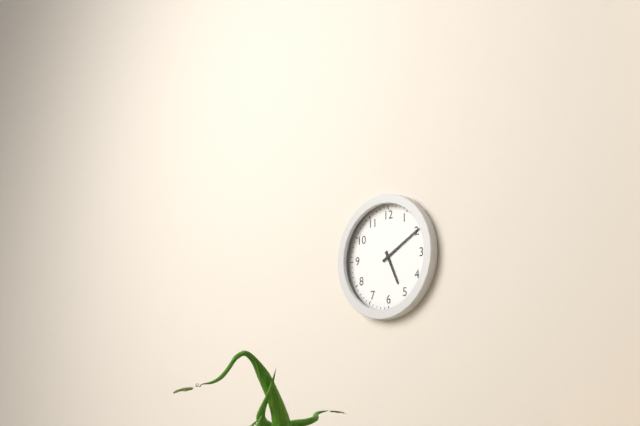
5:10
